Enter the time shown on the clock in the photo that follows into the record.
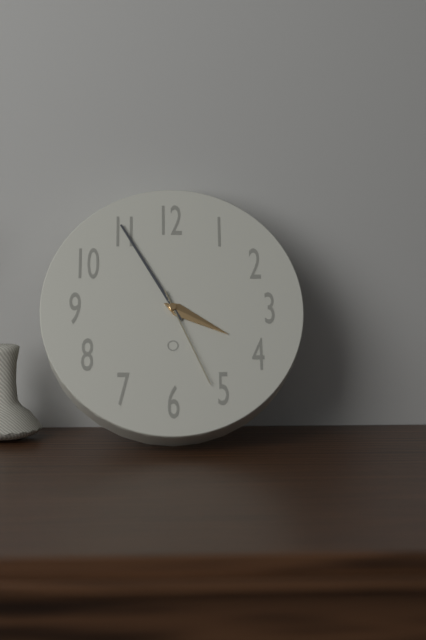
3:55:26
